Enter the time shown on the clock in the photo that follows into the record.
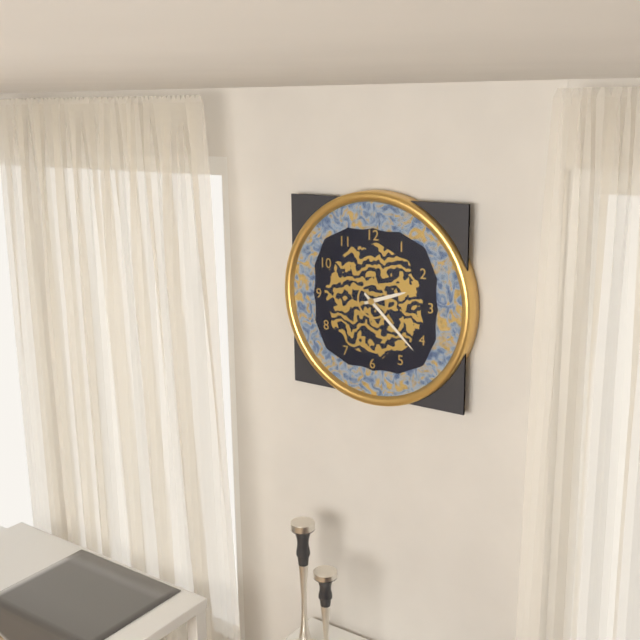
2:22
